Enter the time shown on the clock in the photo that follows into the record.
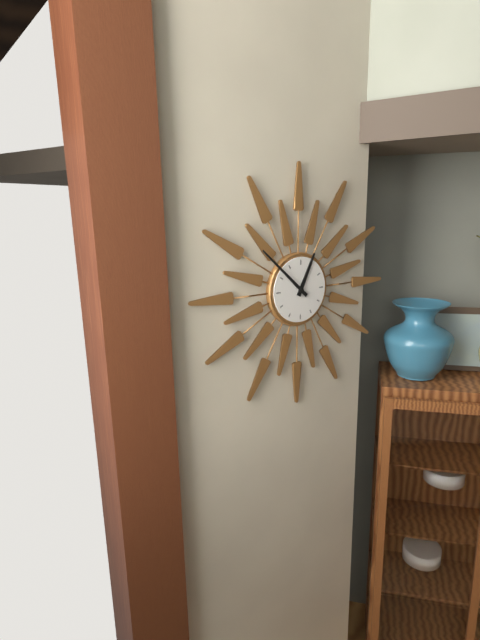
12:52
